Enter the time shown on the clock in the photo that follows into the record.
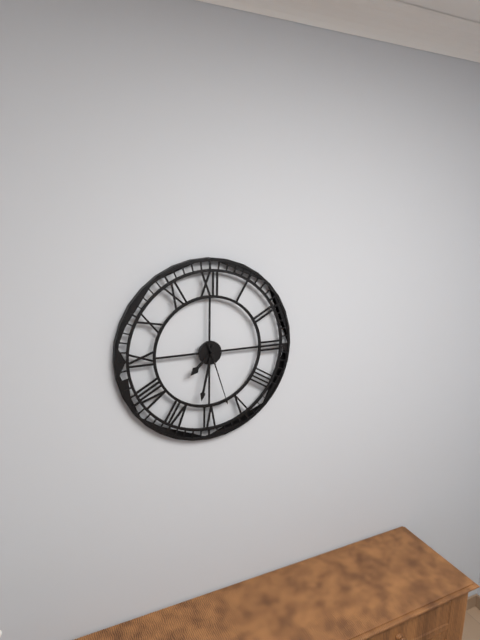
7:32:27
